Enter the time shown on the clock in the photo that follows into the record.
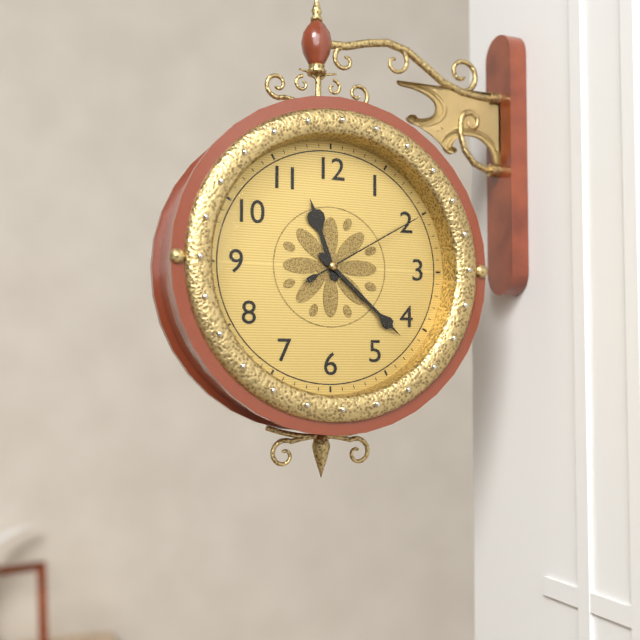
11:22:10
